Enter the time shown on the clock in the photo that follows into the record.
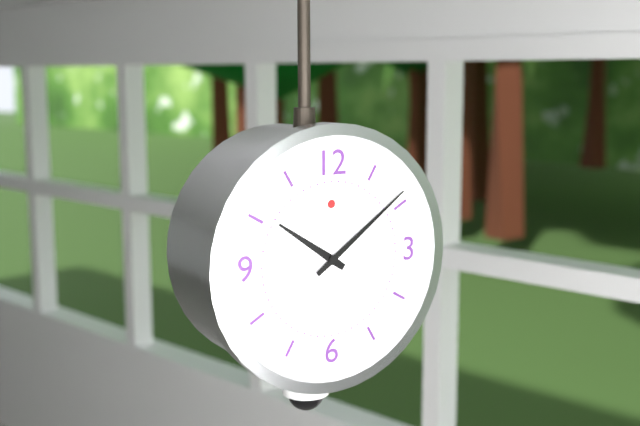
10:09
